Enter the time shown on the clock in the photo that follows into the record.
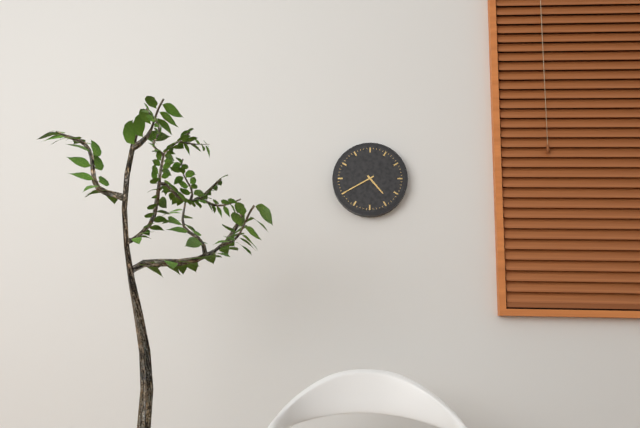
4:40
